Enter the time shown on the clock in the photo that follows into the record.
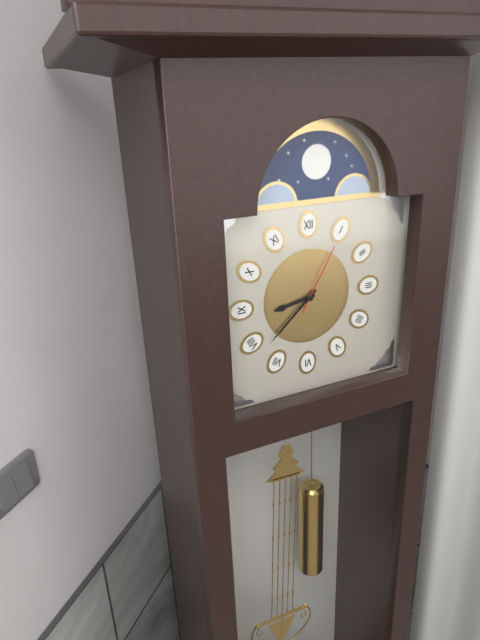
8:38:05
